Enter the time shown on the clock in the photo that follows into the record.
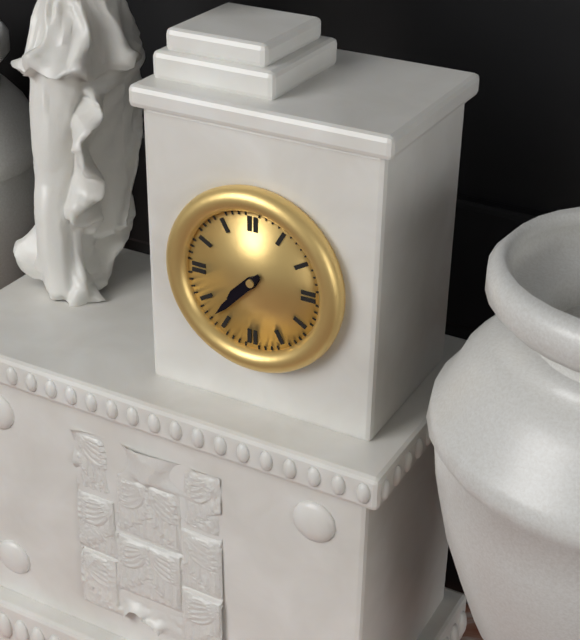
7:37
